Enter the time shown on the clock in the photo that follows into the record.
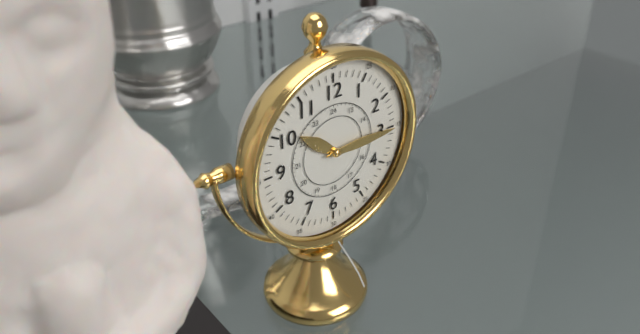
10:15
